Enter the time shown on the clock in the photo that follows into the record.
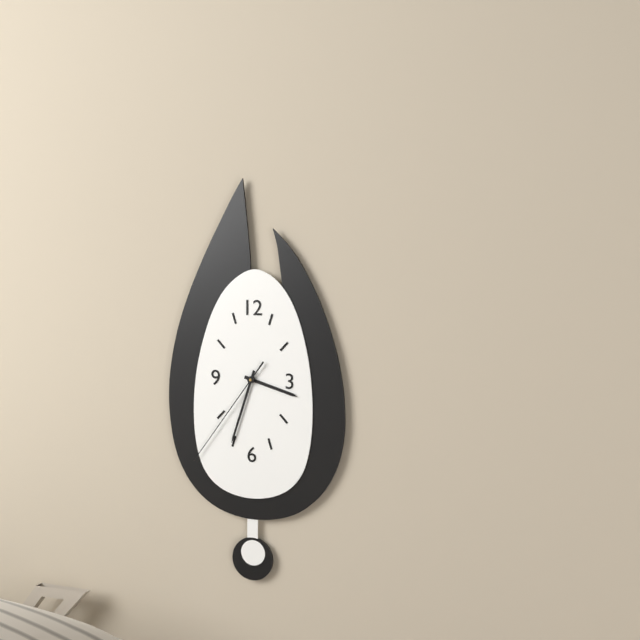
3:33:36
